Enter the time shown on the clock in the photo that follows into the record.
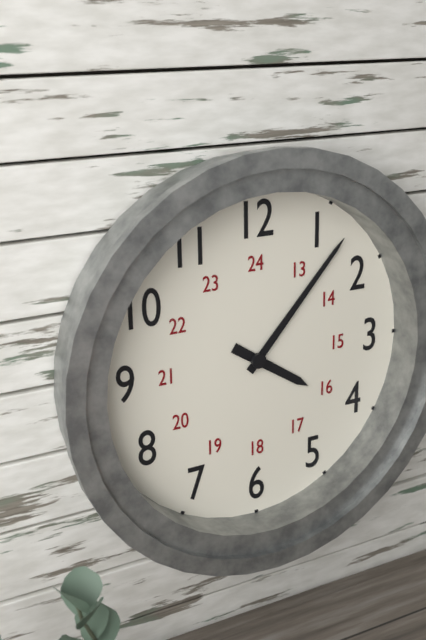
4:07
